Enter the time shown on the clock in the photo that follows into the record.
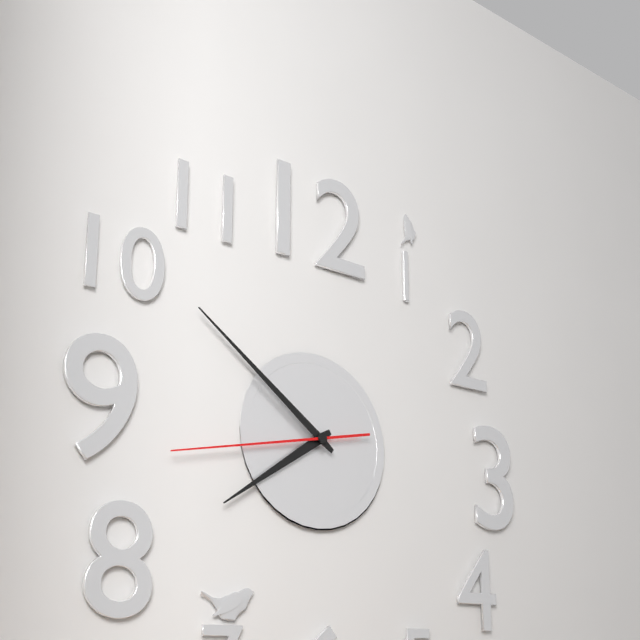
7:51:43
